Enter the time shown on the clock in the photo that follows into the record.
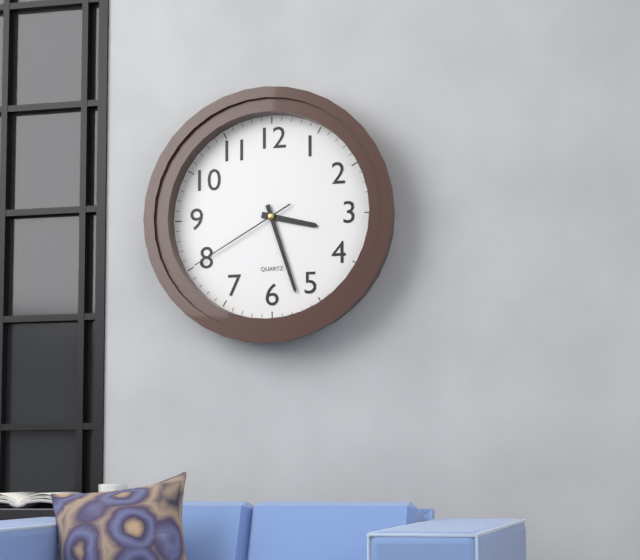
3:27:40
